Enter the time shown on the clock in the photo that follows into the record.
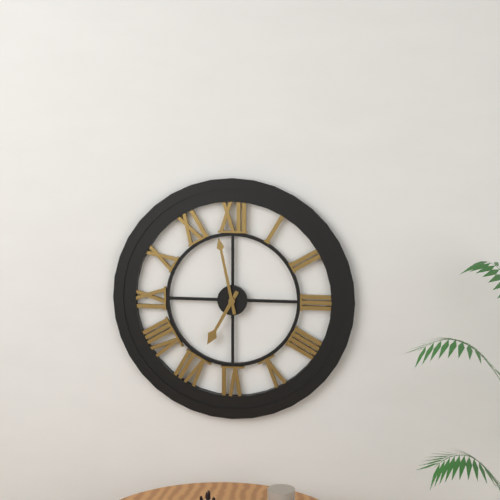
6:58
